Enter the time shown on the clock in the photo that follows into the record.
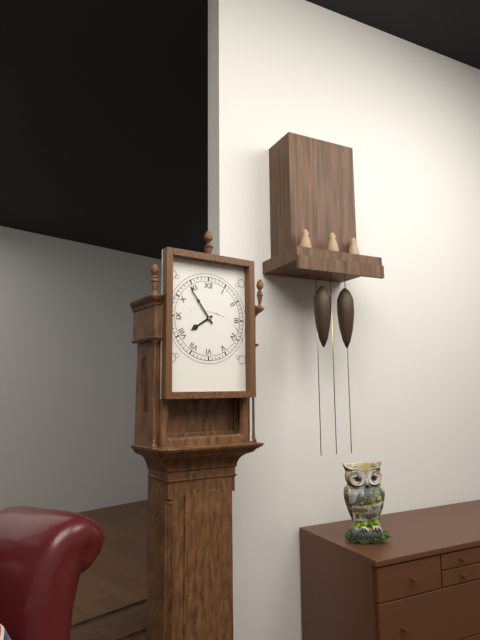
7:54
